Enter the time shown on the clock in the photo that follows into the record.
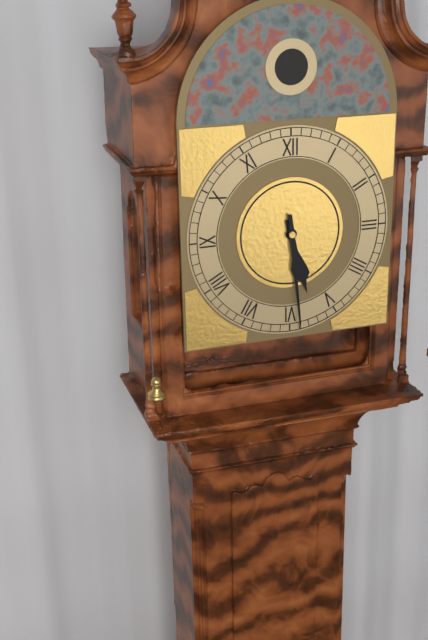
5:29
